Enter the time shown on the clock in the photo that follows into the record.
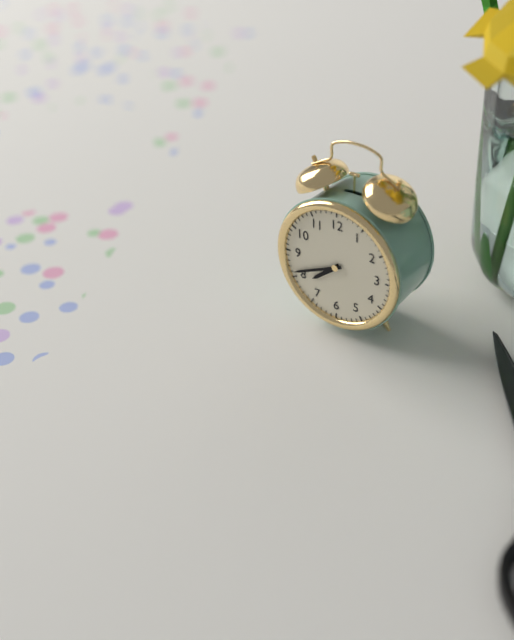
7:41
